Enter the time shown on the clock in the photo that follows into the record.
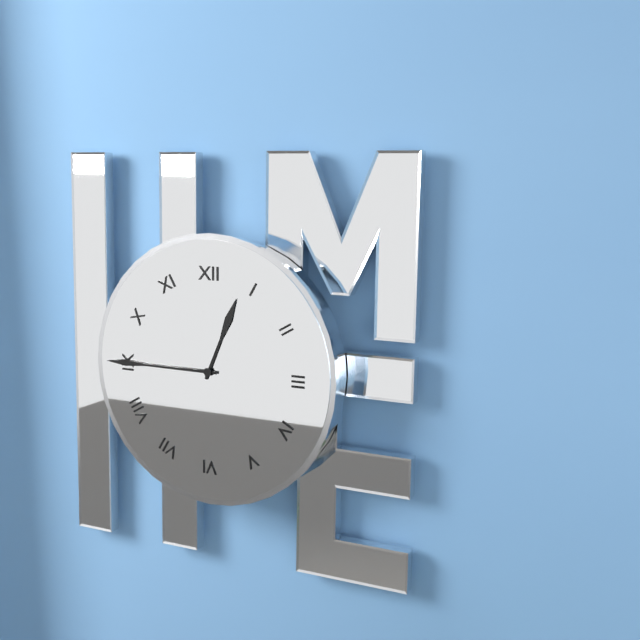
12:45
